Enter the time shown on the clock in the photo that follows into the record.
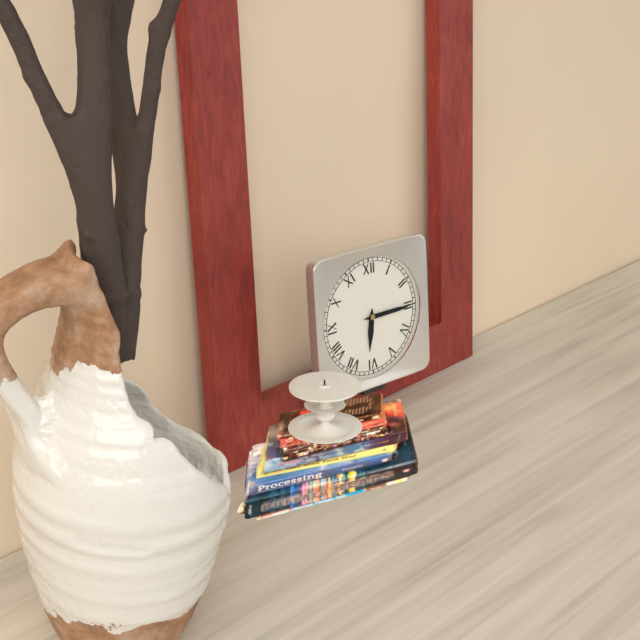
6:15
